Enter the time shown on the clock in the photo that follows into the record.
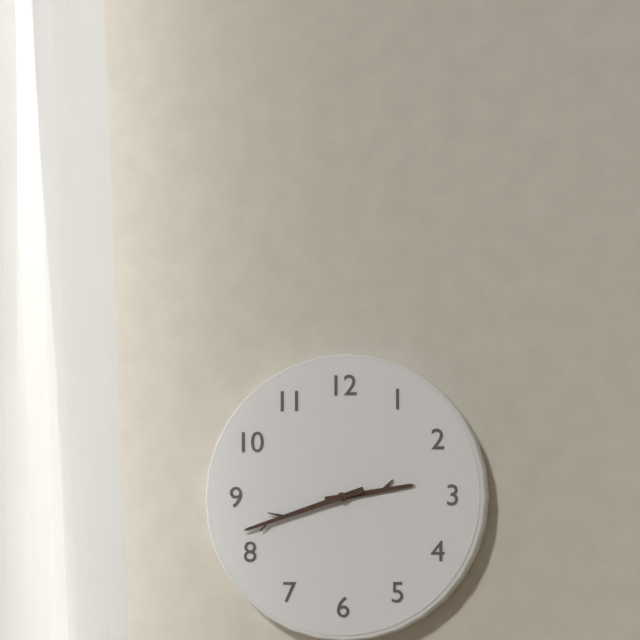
2:42
